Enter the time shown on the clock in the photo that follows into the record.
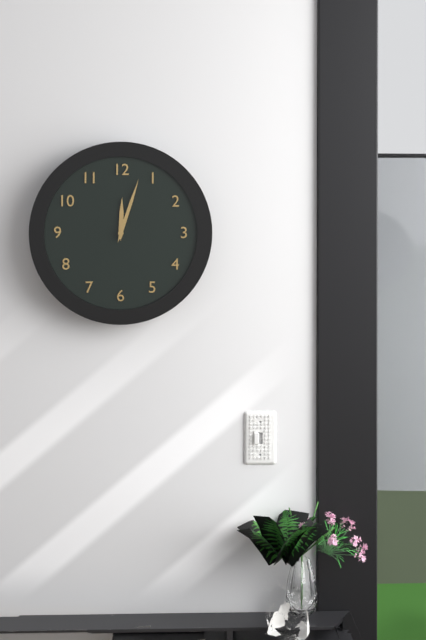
12:03
